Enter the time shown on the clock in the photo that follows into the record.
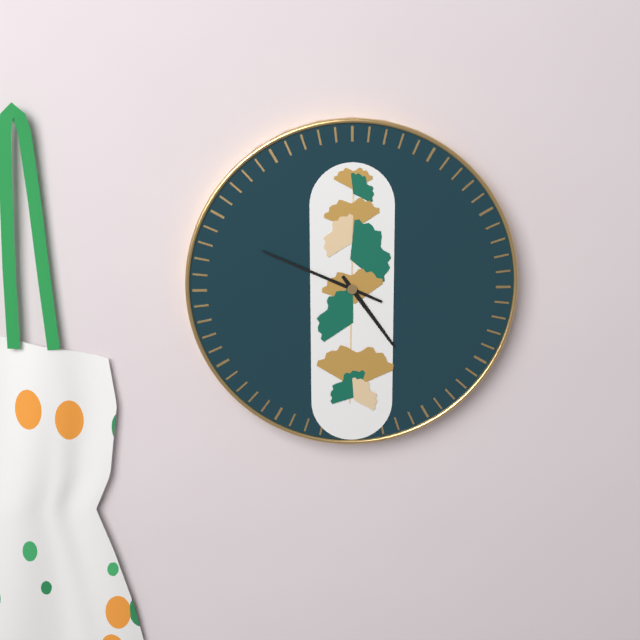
4:49
